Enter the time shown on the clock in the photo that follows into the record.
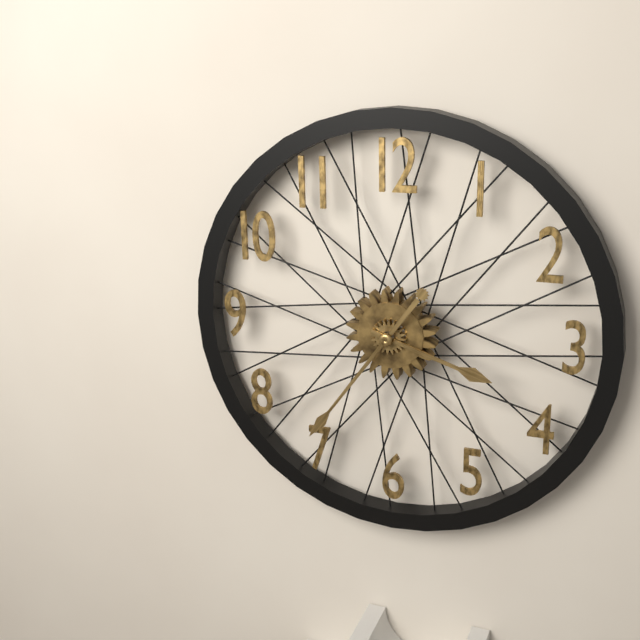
3:36
